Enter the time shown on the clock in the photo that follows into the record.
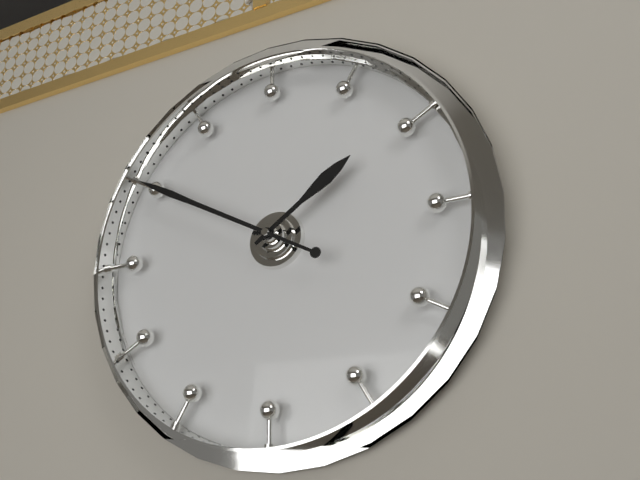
1:50
